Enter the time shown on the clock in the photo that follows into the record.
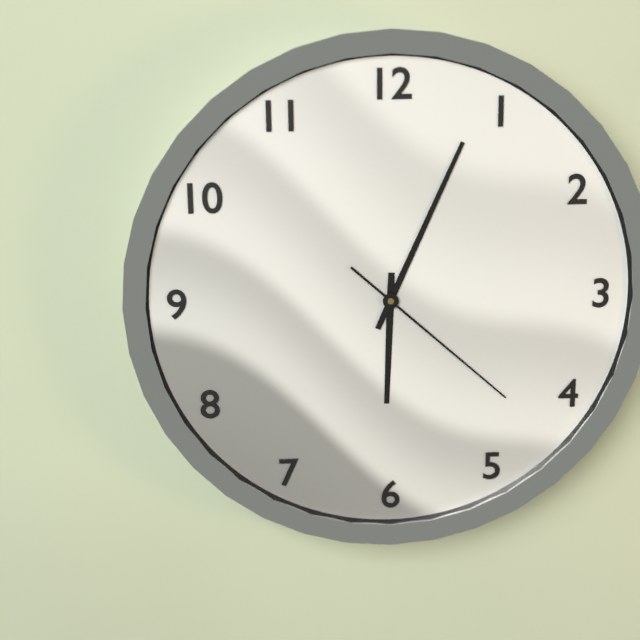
6:04:22
